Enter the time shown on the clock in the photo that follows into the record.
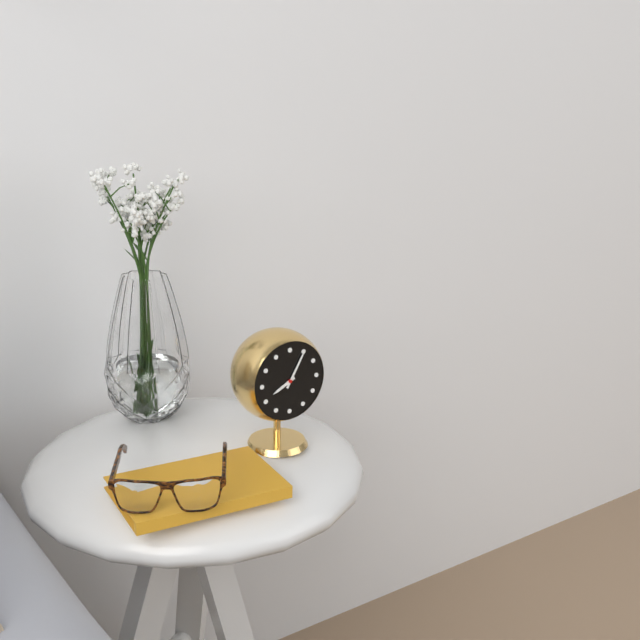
8:05
